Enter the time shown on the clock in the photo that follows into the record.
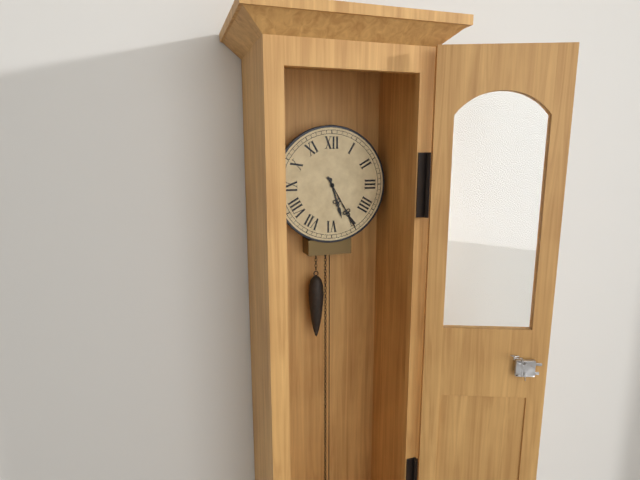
5:25
